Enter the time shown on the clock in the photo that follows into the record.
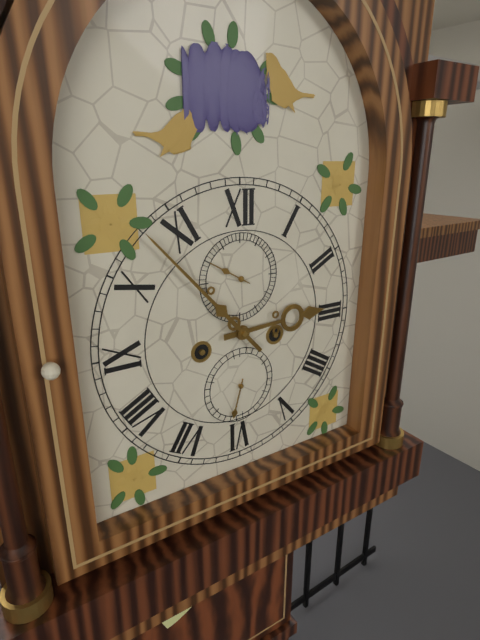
2:53
